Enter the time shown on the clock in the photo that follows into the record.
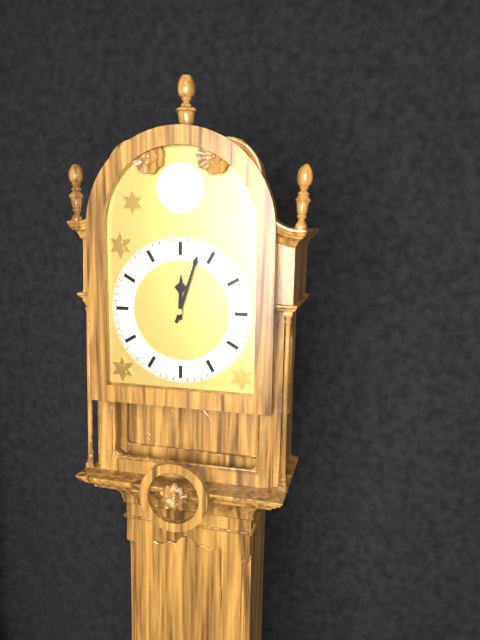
12:03
